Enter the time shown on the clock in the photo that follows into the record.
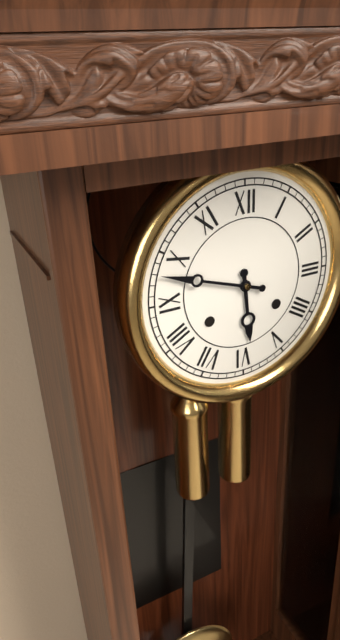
5:48
